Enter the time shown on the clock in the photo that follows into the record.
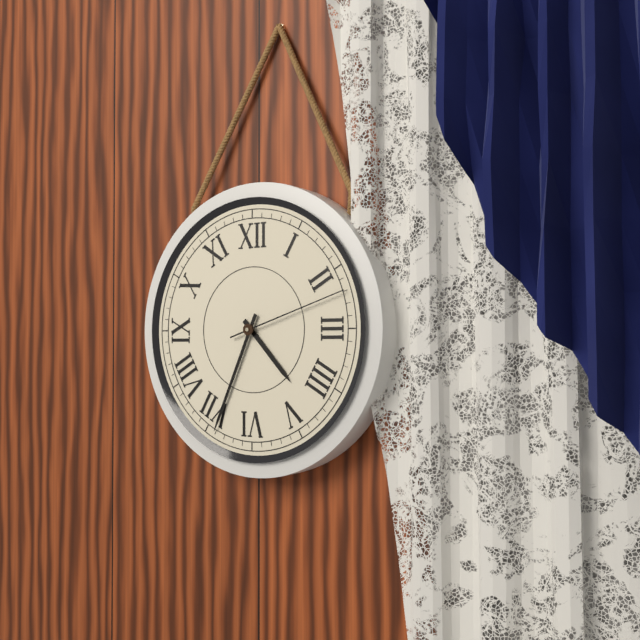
4:34:12
